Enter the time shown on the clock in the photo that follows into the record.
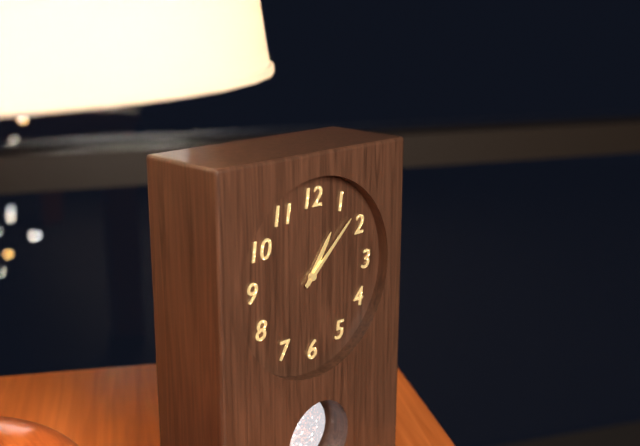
1:08
